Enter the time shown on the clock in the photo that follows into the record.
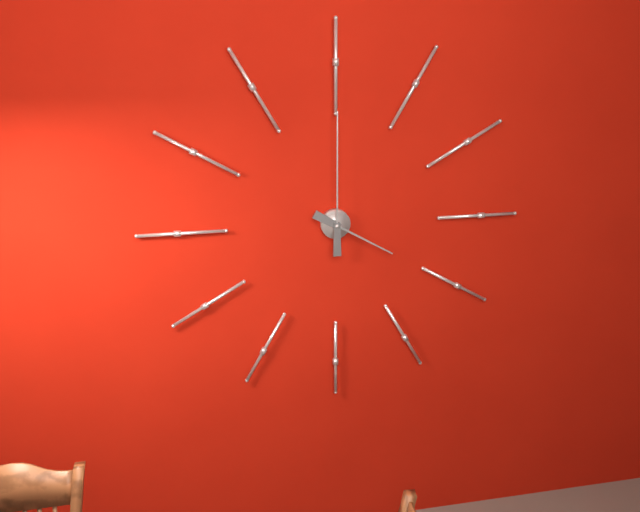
4:00
